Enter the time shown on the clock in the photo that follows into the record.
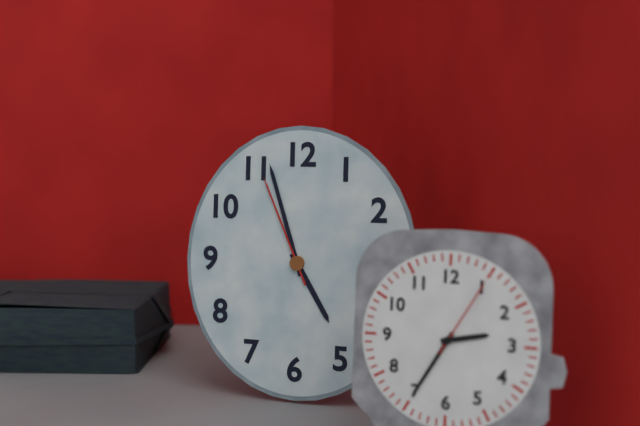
4:57:56
